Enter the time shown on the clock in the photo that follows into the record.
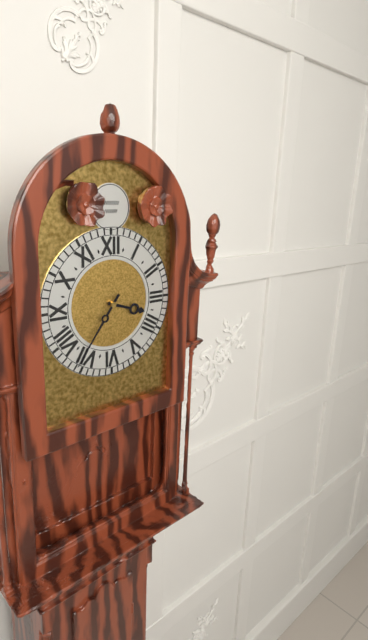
3:36
